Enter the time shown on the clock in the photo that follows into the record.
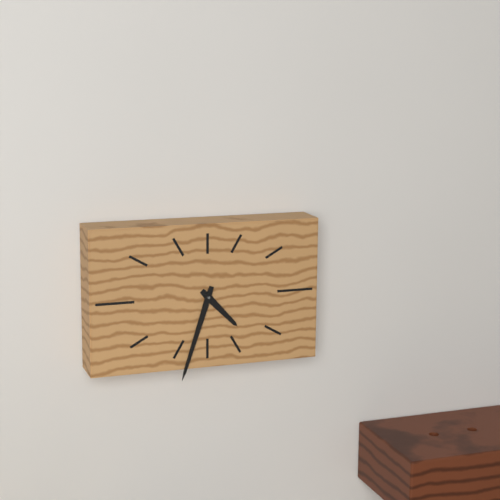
4:33
